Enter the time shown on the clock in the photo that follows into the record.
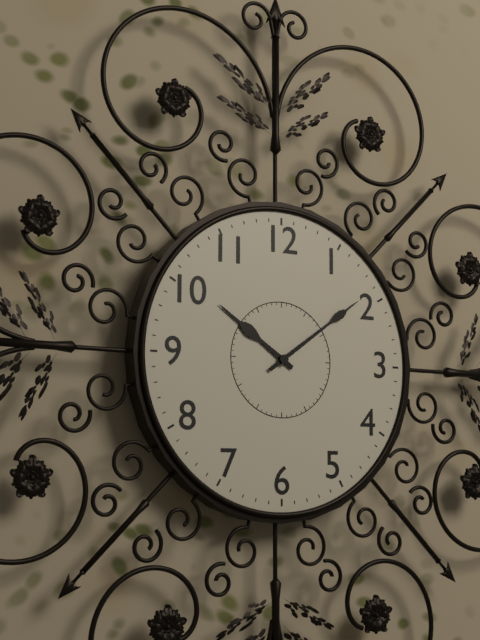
10:09
